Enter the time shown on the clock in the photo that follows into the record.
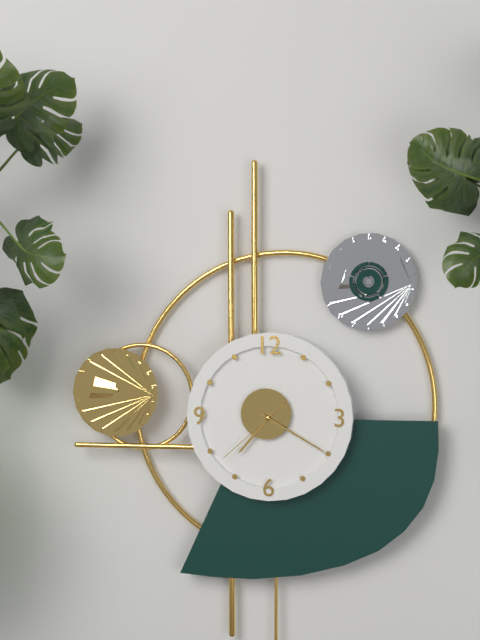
7:20:38
